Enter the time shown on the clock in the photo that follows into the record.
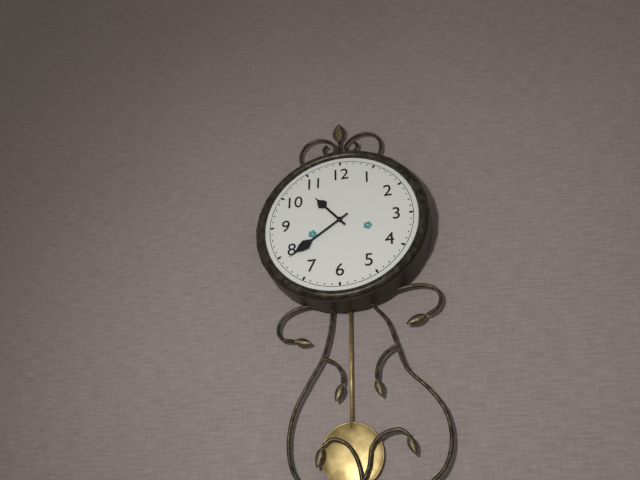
10:39
